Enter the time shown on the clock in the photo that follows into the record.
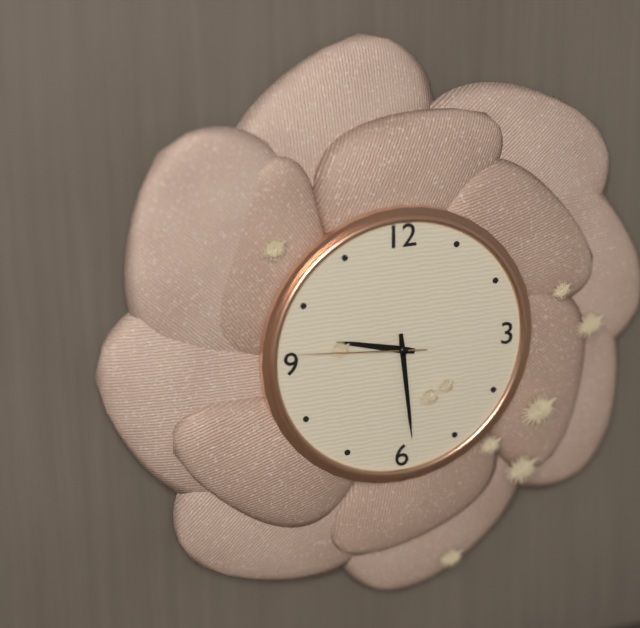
9:29:46
